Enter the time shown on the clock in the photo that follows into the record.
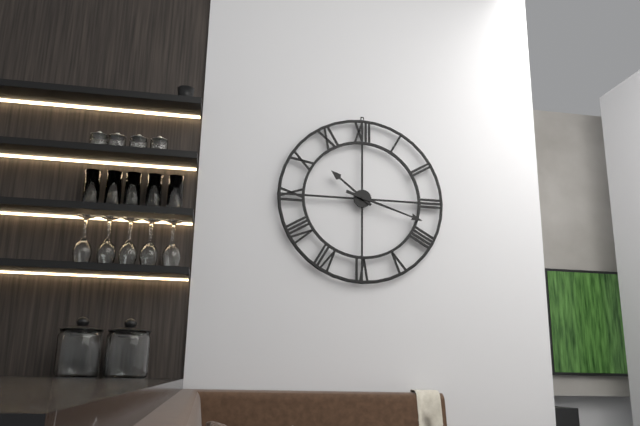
10:18
